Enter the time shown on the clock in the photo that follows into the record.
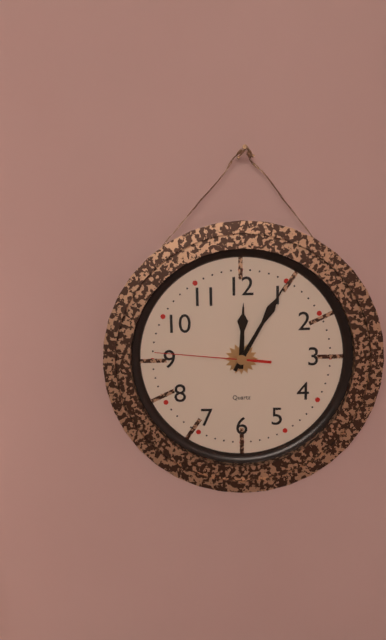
12:05:46
